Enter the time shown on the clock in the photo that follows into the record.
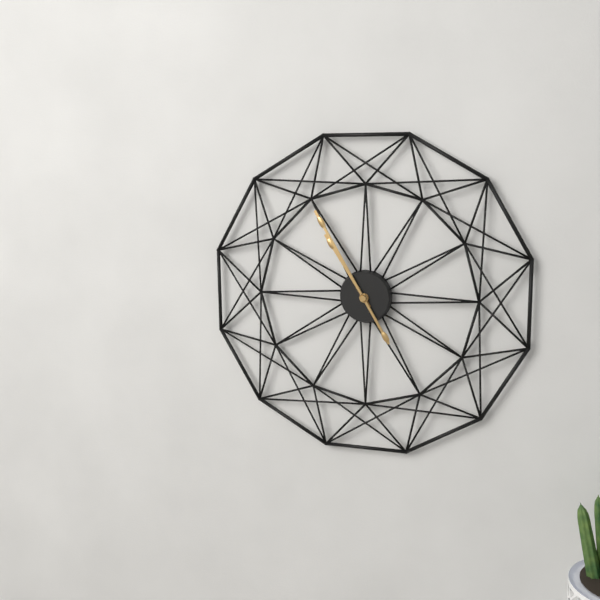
10:55
